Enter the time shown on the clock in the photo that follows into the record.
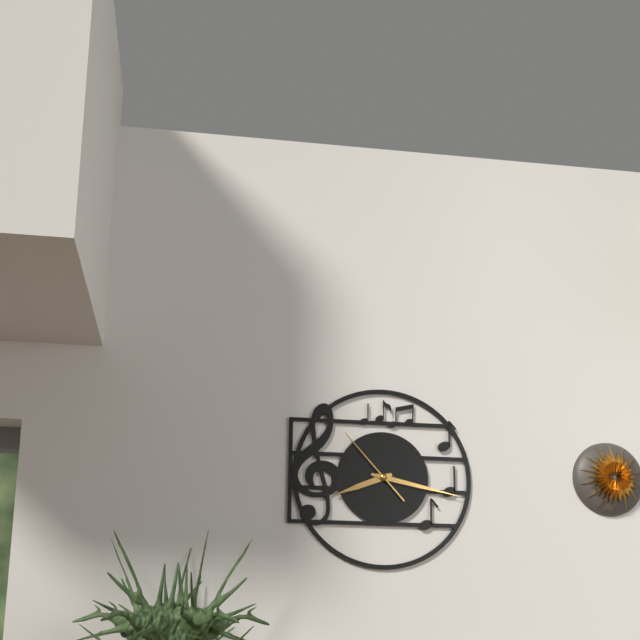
8:17:53
